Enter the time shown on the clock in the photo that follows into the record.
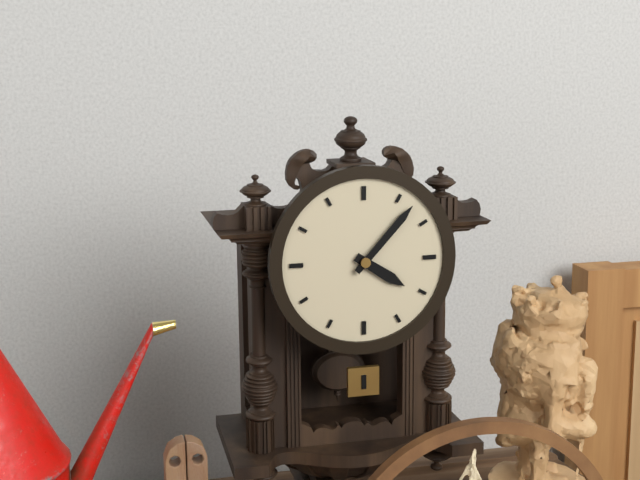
4:07
